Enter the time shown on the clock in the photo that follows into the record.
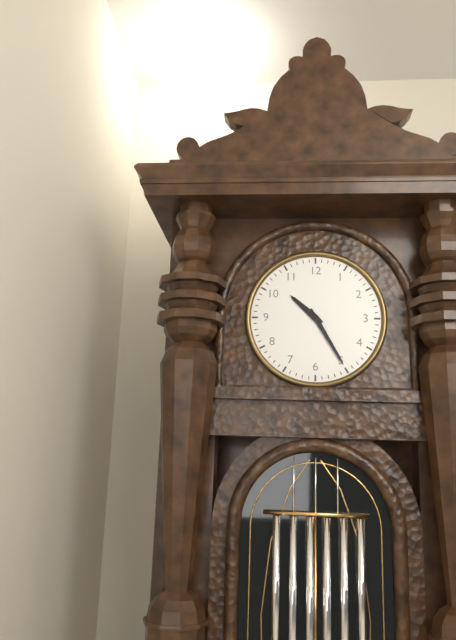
10:25
